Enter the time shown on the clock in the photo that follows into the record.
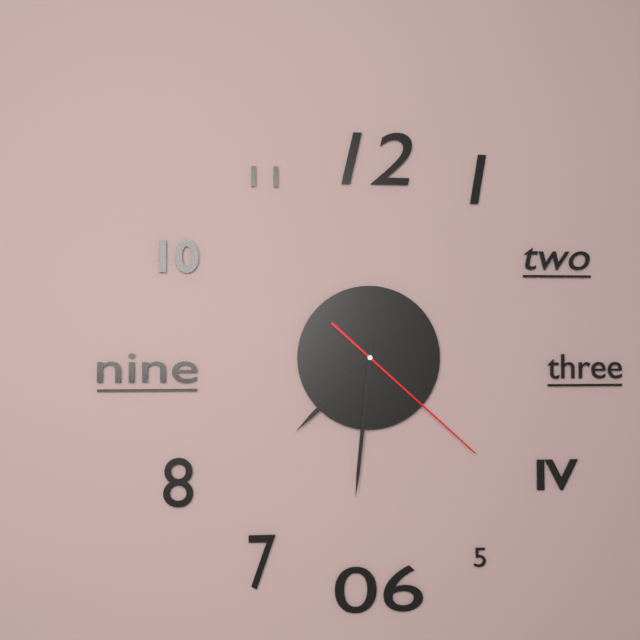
7:31:22
